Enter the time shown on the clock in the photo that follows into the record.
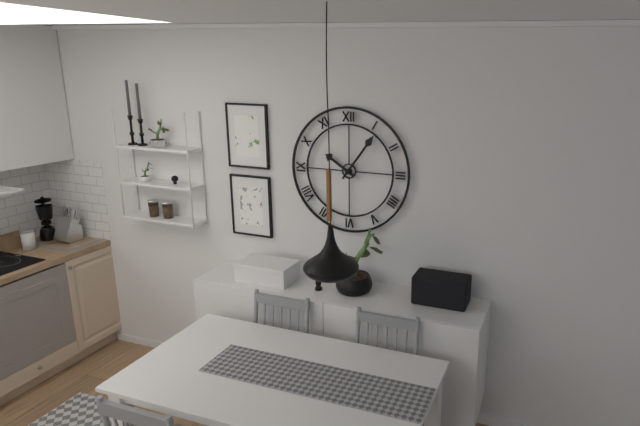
10:06
